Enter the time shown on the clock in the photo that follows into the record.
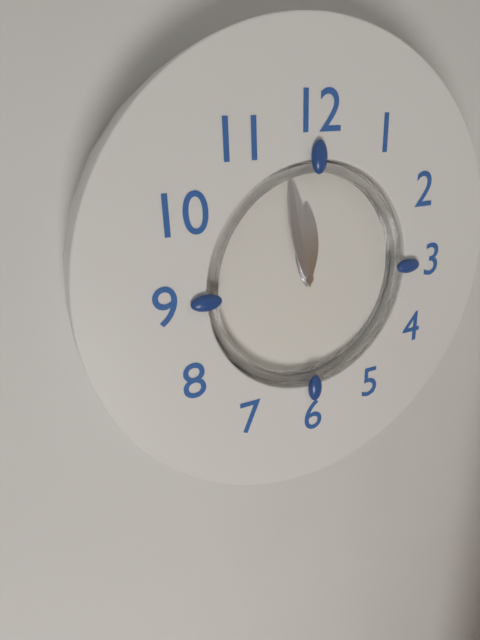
11:58
